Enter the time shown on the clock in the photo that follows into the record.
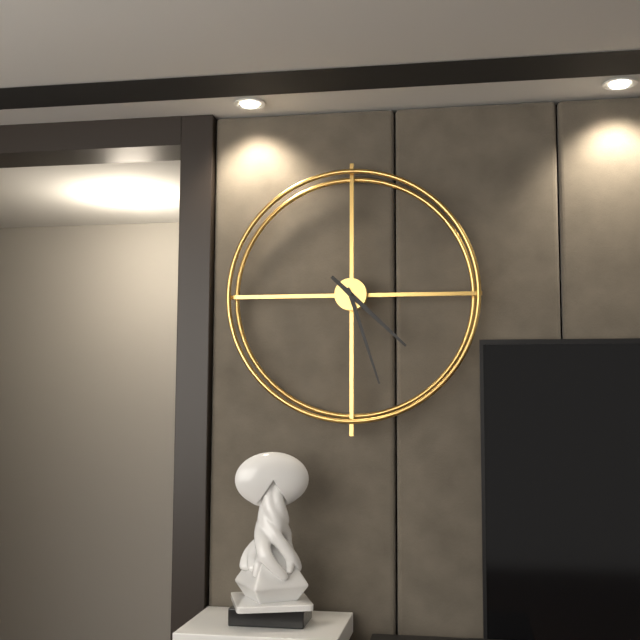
4:27
